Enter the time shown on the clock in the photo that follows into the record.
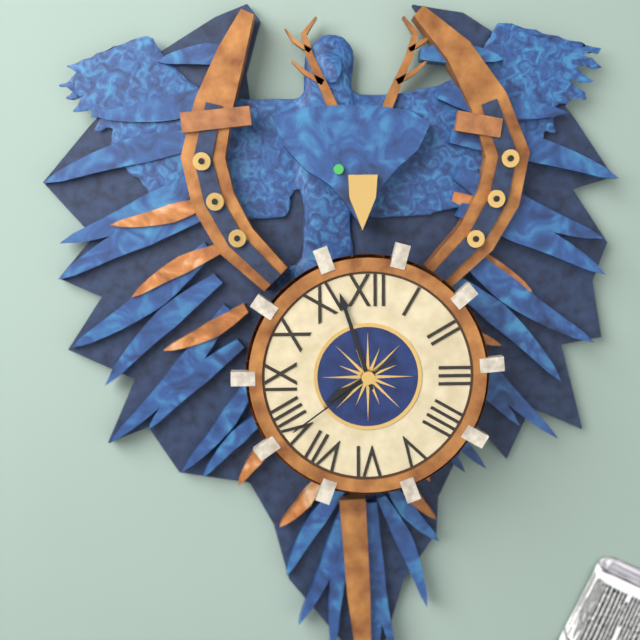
7:57:39
